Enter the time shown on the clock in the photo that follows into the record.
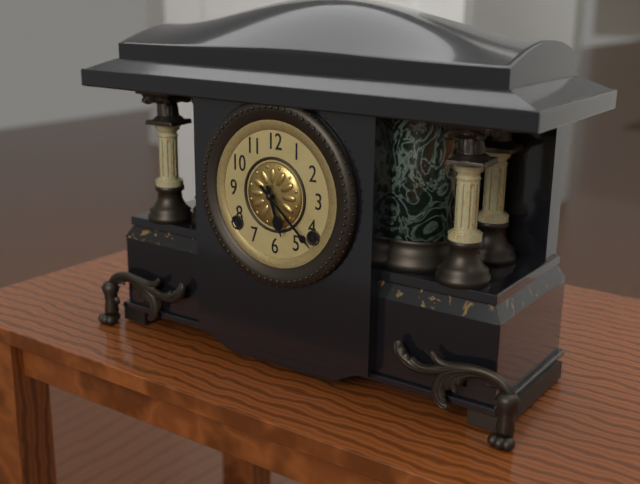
5:22
